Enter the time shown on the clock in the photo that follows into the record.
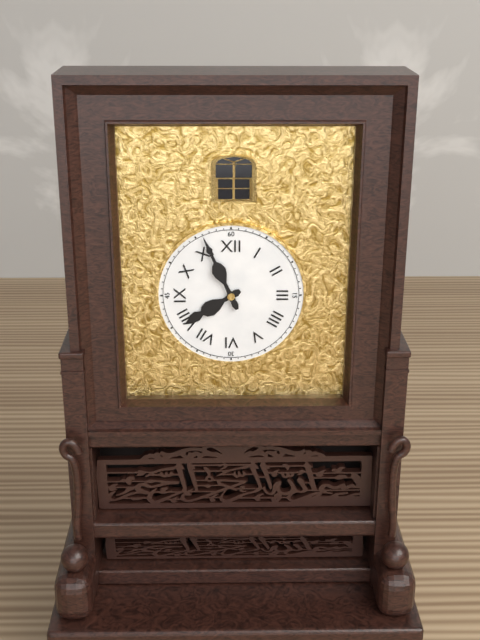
7:56
